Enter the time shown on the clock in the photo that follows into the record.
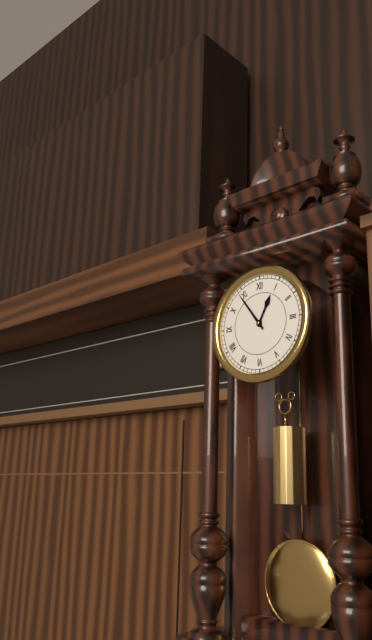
12:54
